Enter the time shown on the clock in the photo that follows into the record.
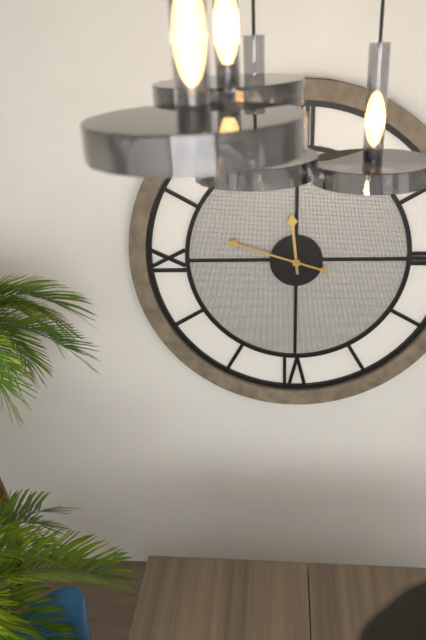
11:48
